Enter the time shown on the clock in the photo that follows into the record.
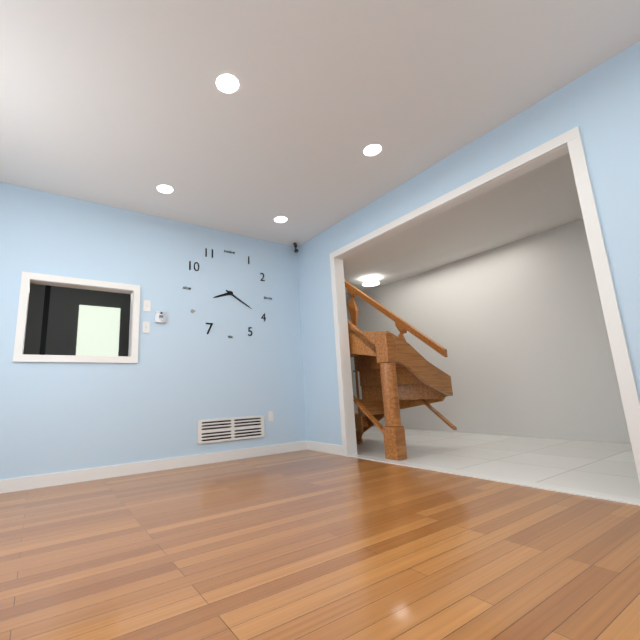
8:20
